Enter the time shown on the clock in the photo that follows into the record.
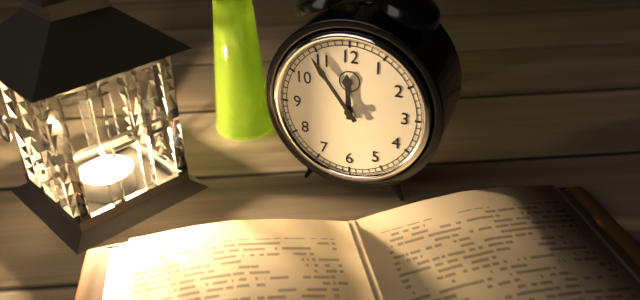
11:54
